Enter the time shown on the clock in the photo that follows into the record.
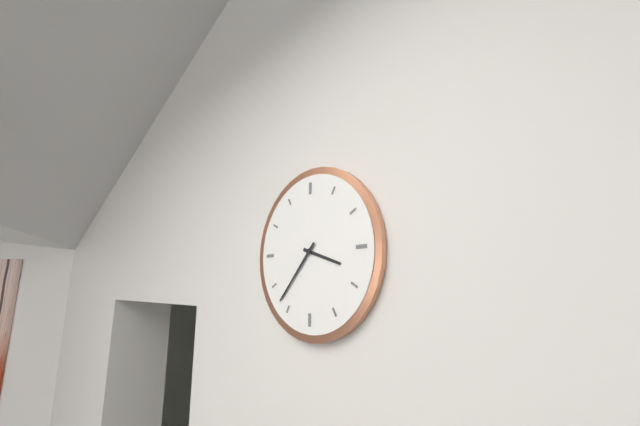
3:37
